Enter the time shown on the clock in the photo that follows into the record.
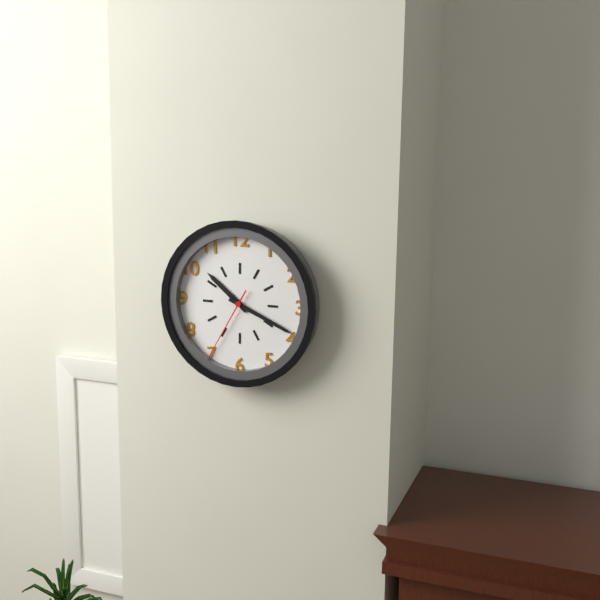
10:19:35
